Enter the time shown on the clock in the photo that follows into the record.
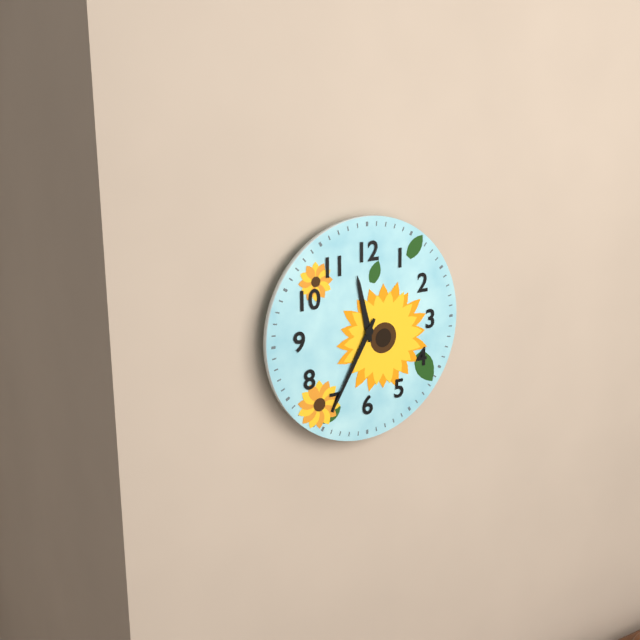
11:35
